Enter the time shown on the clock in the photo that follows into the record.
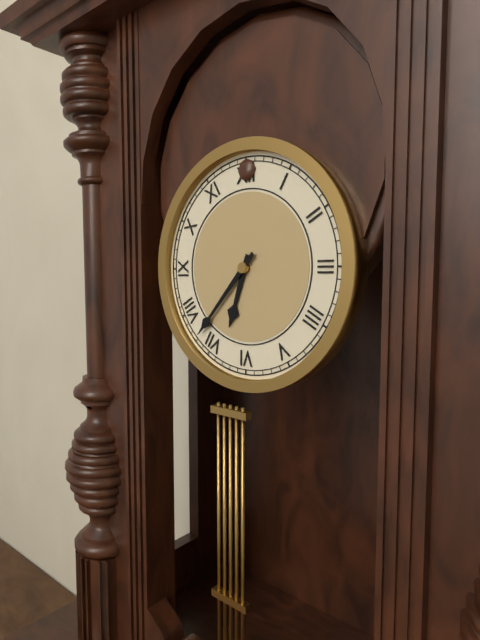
6:37
